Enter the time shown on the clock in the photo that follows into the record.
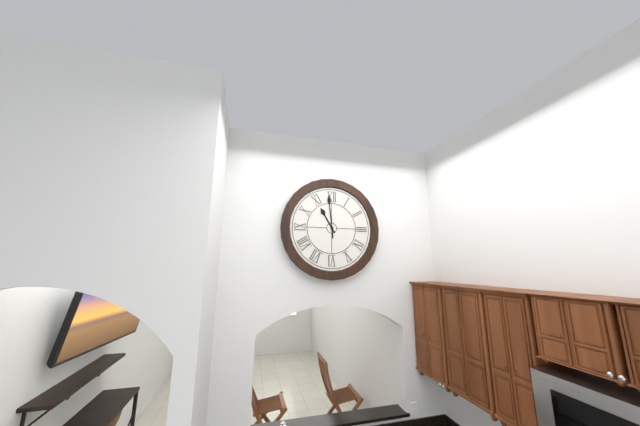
10:59
